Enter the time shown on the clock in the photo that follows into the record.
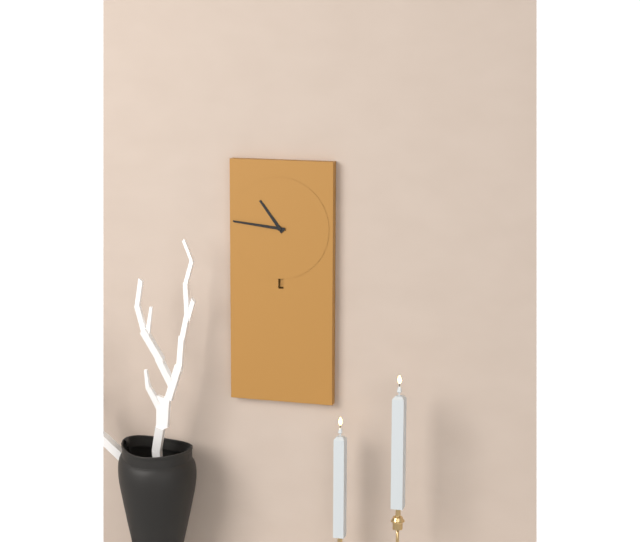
10:46
